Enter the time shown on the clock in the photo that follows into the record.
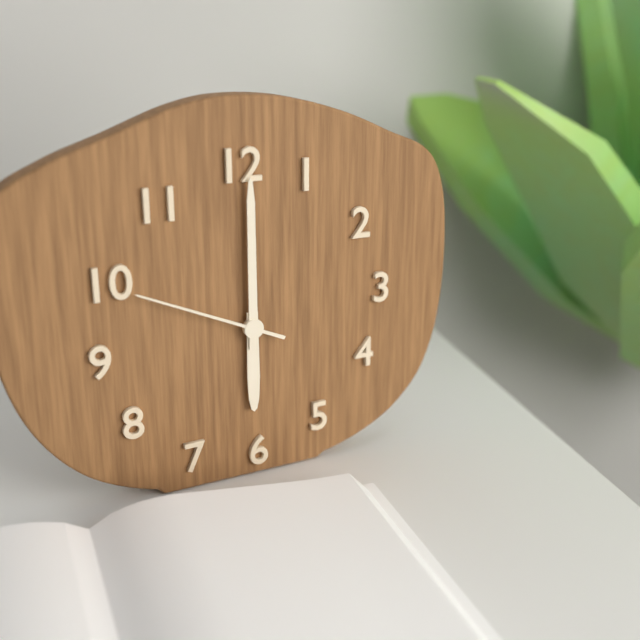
6:00:49
